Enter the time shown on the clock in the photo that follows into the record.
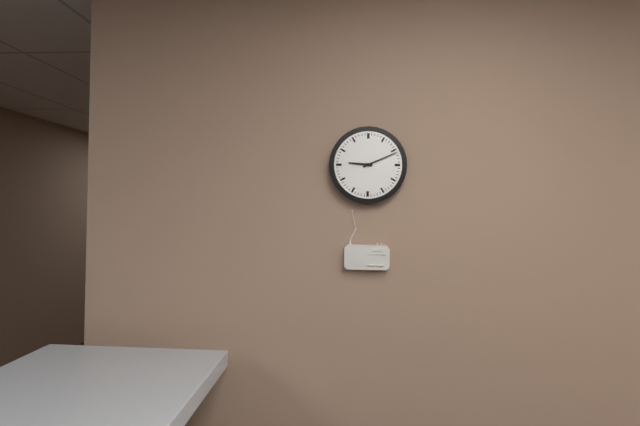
9:11
